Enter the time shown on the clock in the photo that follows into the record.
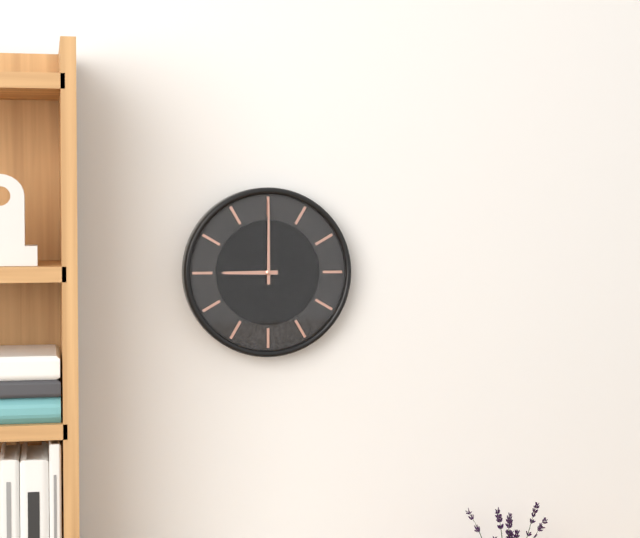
9:00
